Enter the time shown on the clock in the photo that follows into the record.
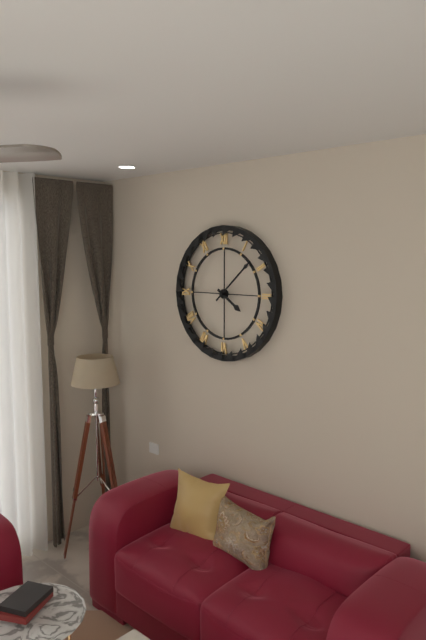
4:08
